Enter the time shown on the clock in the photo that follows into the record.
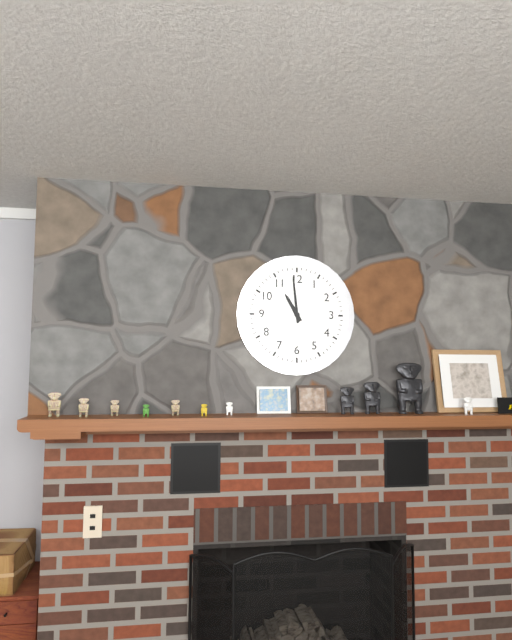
10:59
